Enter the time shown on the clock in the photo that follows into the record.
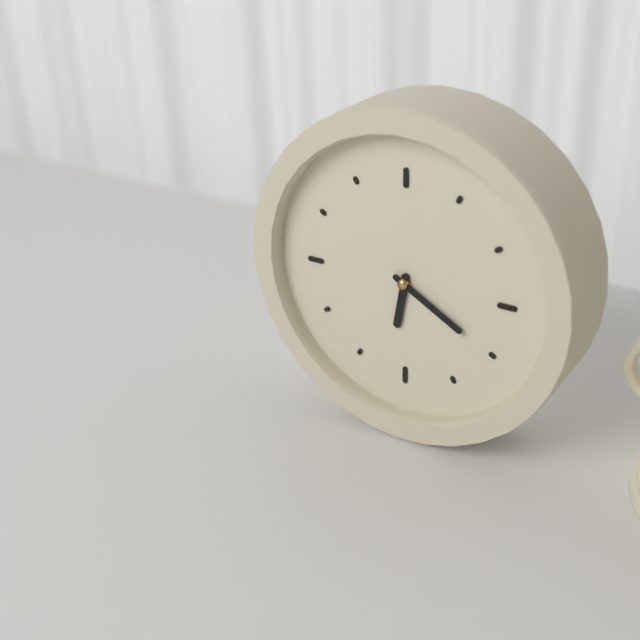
6:20
